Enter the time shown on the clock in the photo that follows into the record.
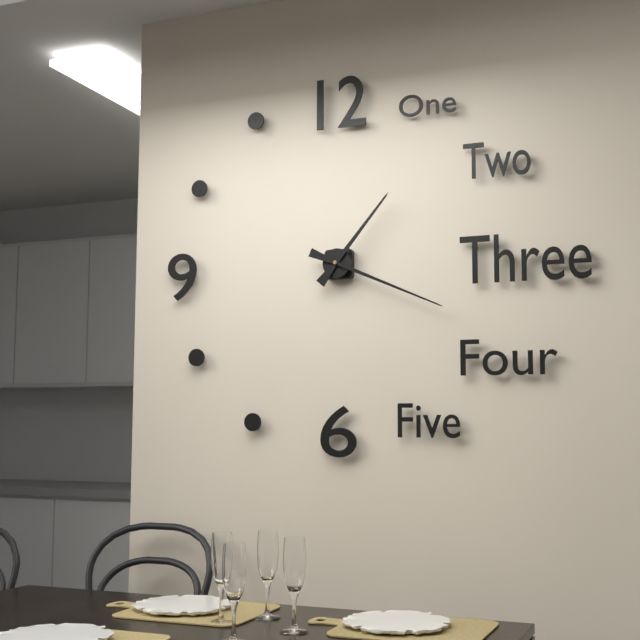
1:19
